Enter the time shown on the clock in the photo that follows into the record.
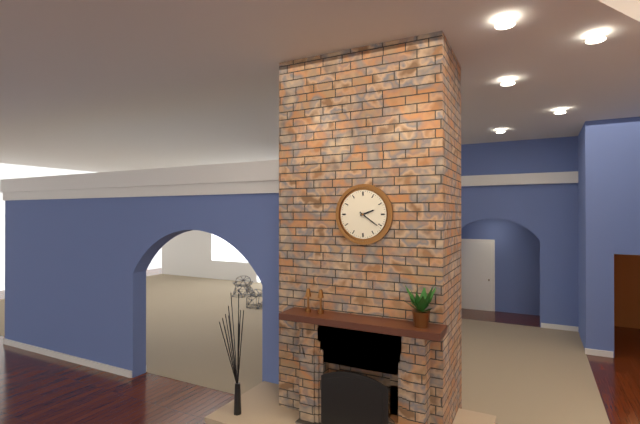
2:21
